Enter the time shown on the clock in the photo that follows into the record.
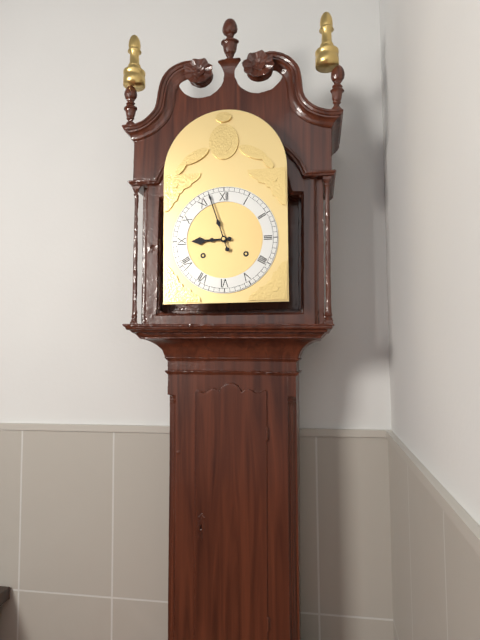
8:57
